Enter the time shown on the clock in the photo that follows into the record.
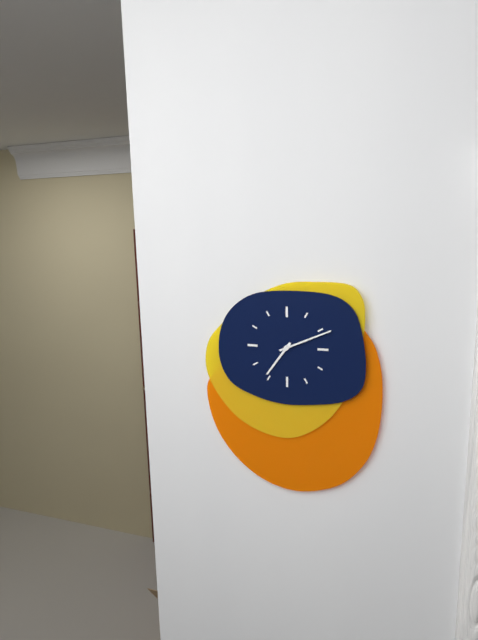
7:11
